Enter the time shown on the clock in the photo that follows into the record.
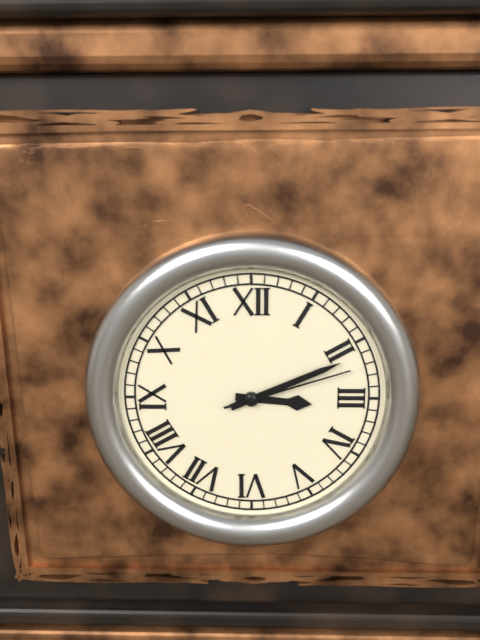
3:11:12
